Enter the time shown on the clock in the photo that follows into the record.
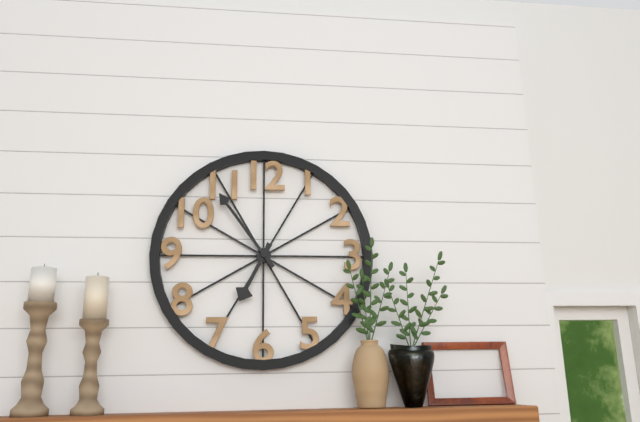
6:54
